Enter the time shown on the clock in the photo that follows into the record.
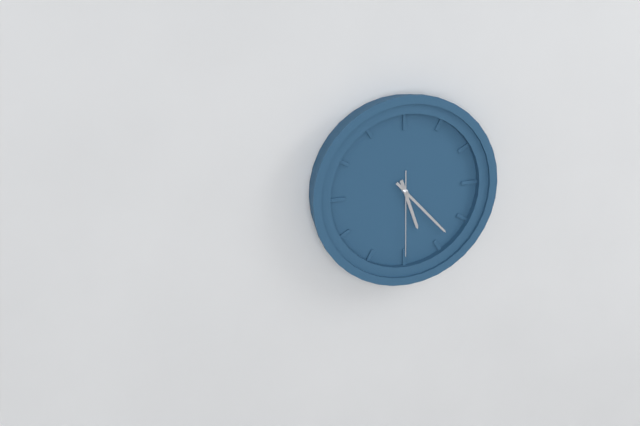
5:23:30
